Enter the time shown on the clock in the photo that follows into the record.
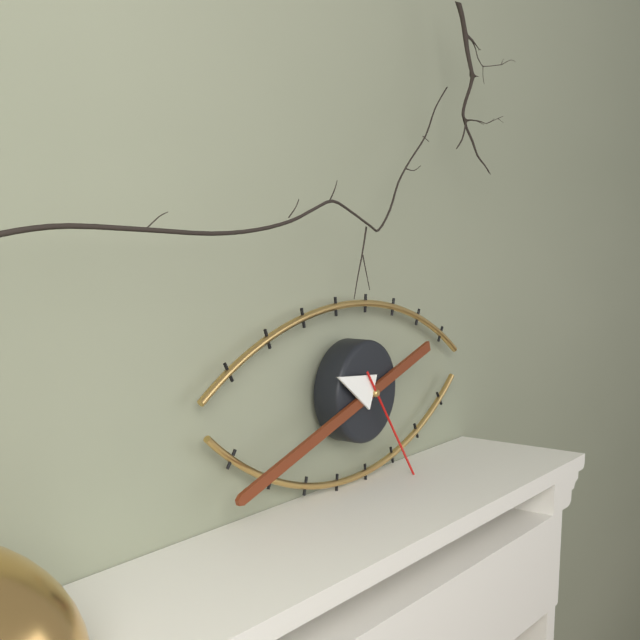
9:42:24
